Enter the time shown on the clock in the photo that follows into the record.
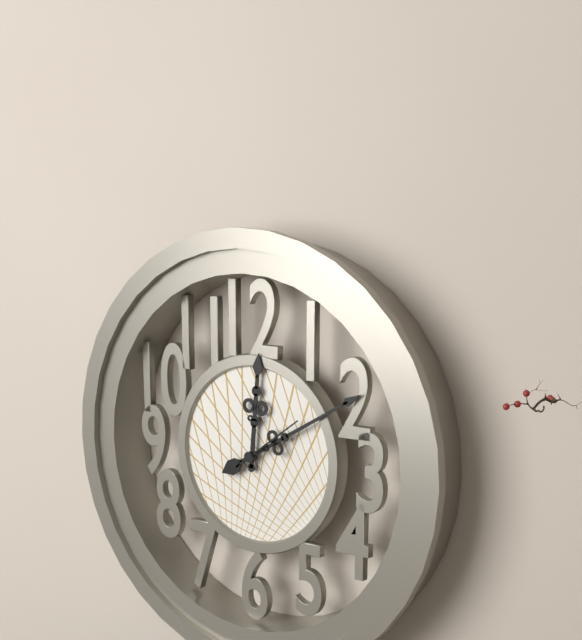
12:10
